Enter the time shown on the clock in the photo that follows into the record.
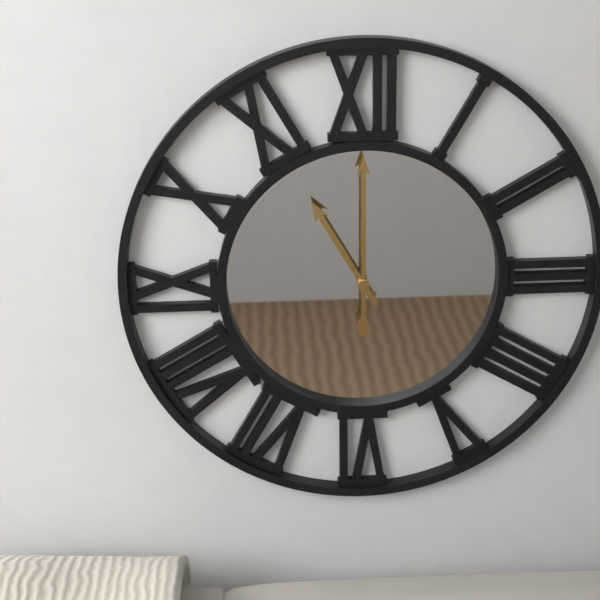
11:00
